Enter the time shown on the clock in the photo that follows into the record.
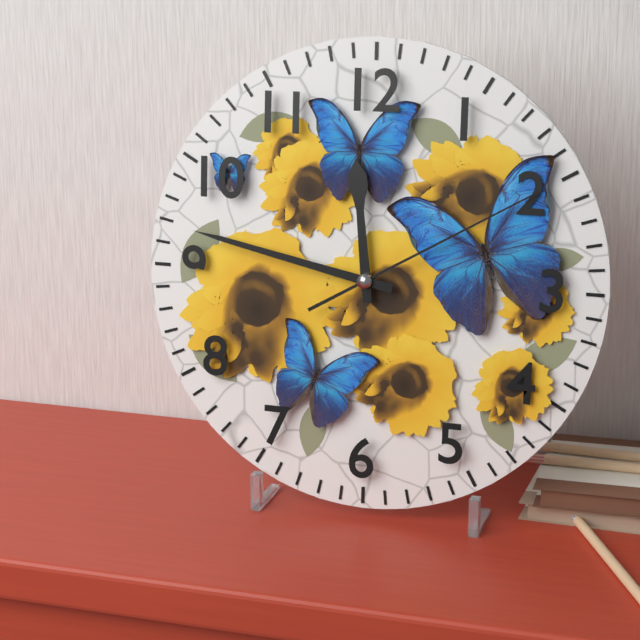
11:47:10
